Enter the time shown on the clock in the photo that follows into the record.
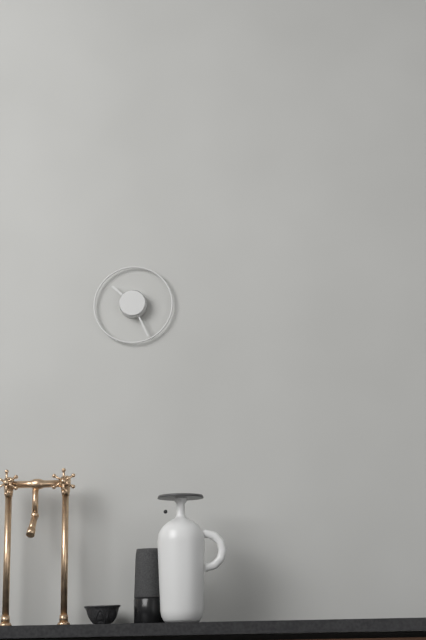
10:26
